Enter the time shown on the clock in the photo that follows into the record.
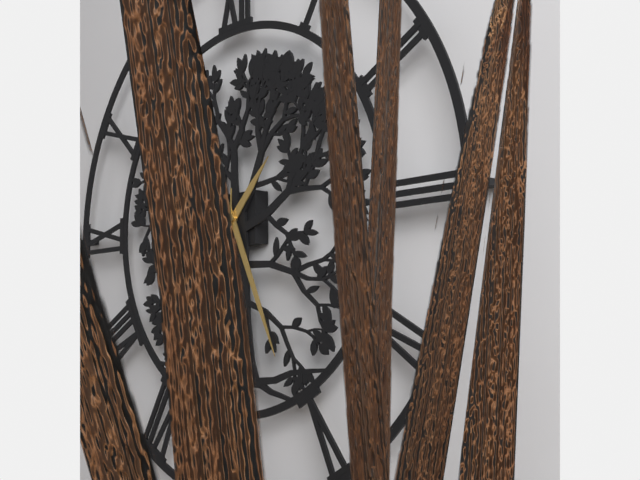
1:26
